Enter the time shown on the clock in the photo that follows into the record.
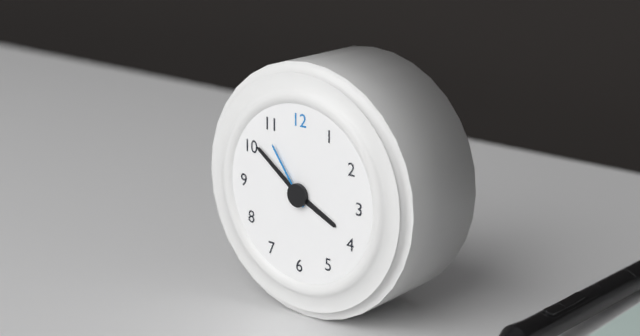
3:51:54
